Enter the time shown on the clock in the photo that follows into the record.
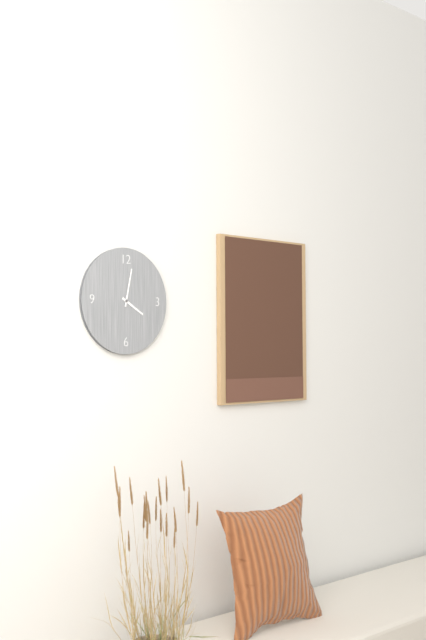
4:02
